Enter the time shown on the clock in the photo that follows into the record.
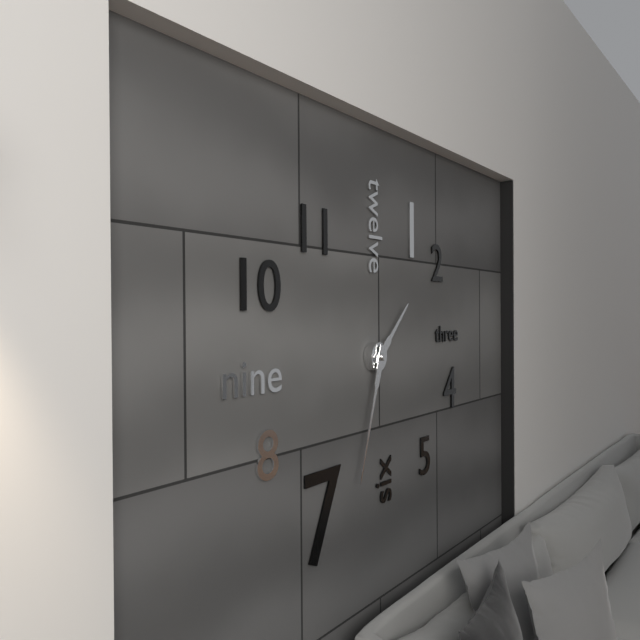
1:33
